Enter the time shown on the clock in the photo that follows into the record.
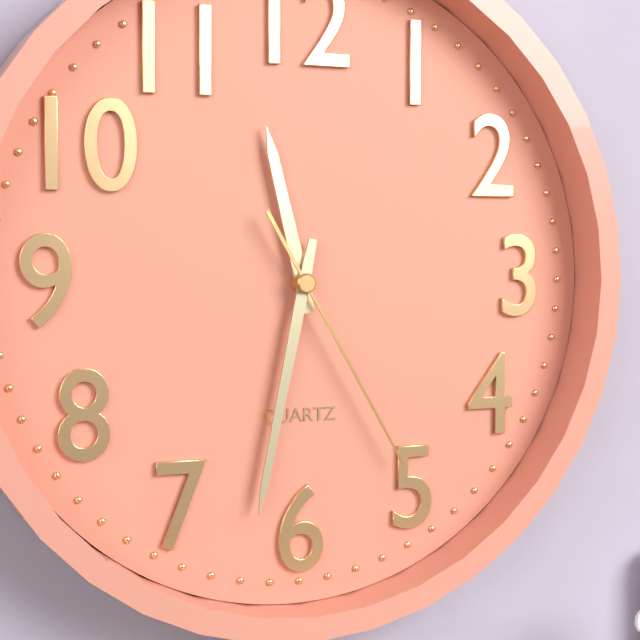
11:32:25
